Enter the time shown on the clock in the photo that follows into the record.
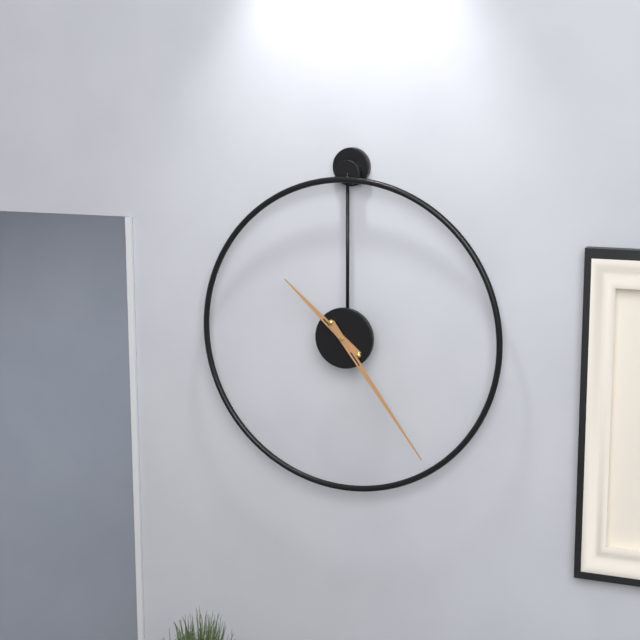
10:24
